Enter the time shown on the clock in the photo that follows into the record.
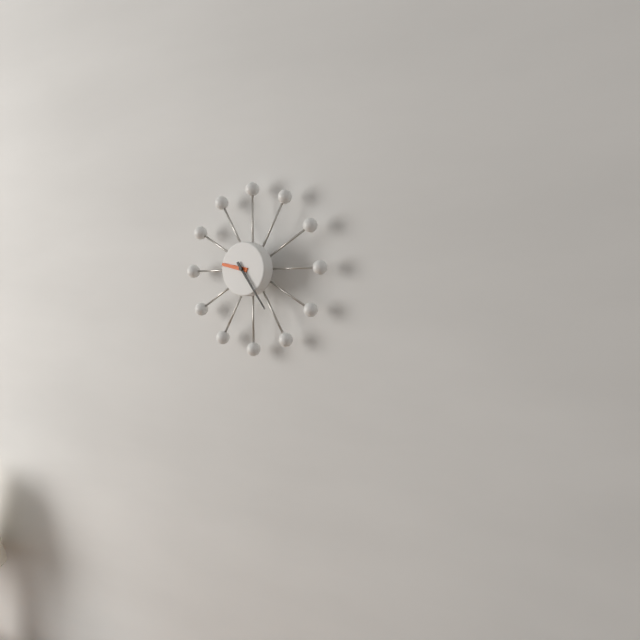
9:24
